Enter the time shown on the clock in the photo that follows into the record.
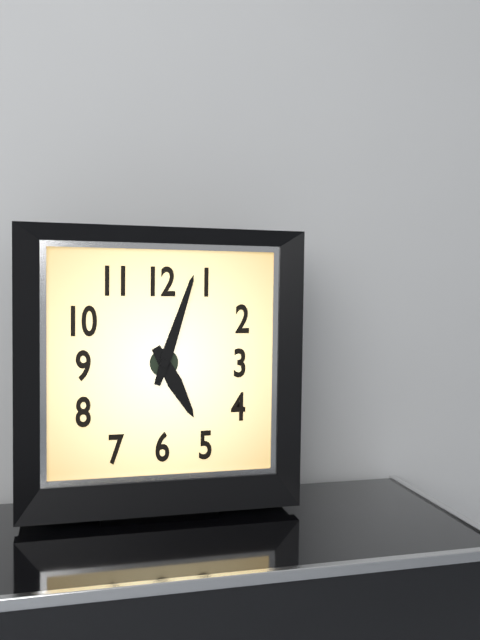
5:03
